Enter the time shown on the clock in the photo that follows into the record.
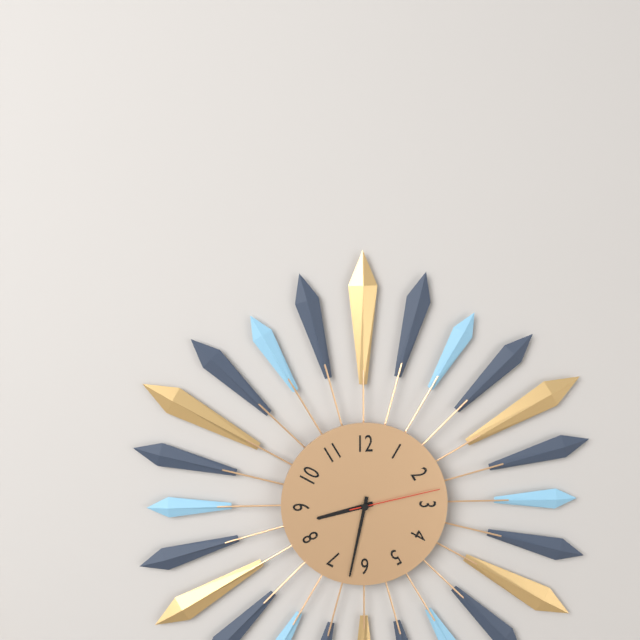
8:32:13
